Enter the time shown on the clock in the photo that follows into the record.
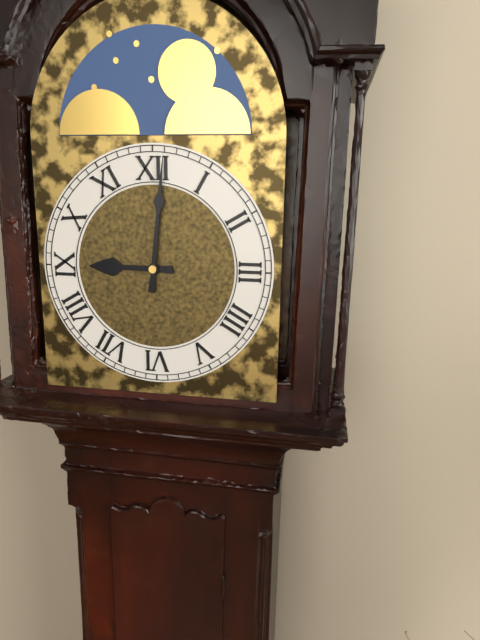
9:01
